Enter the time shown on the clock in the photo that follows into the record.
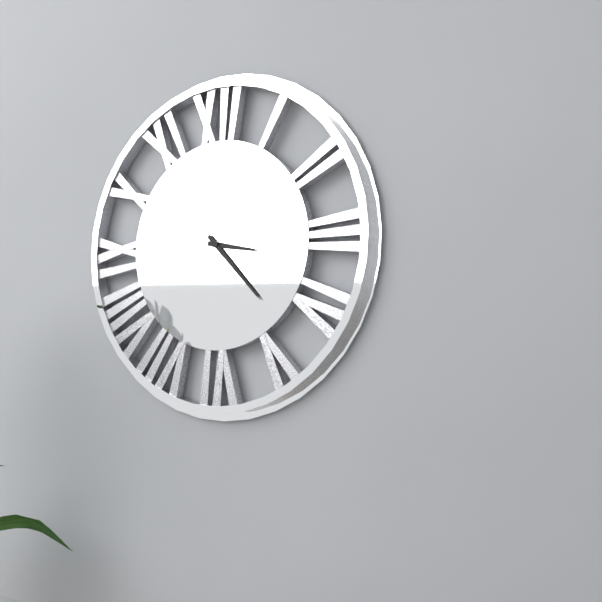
3:23
